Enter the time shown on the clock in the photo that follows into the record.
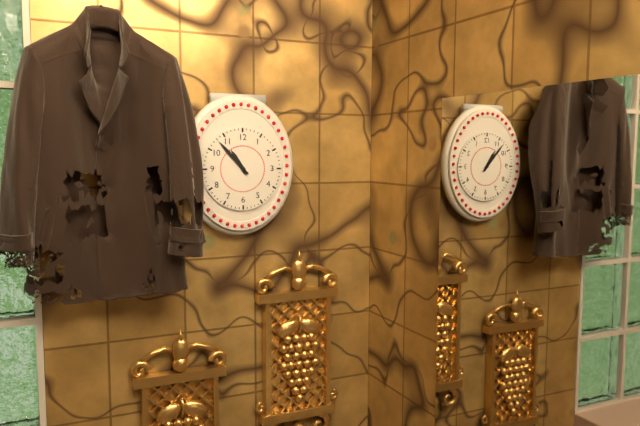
10:53
